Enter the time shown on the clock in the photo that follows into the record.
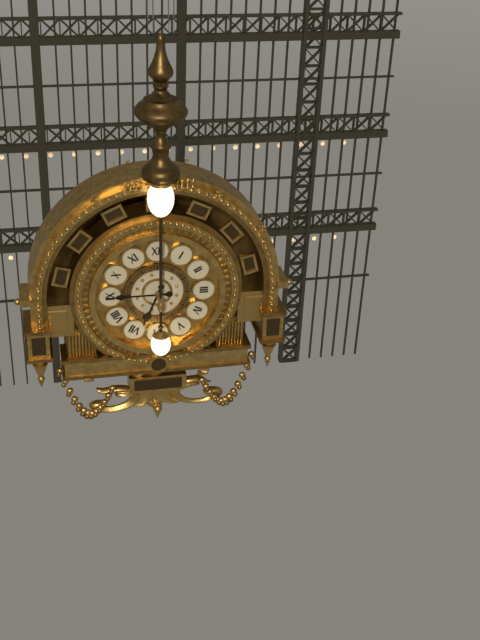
6:45
